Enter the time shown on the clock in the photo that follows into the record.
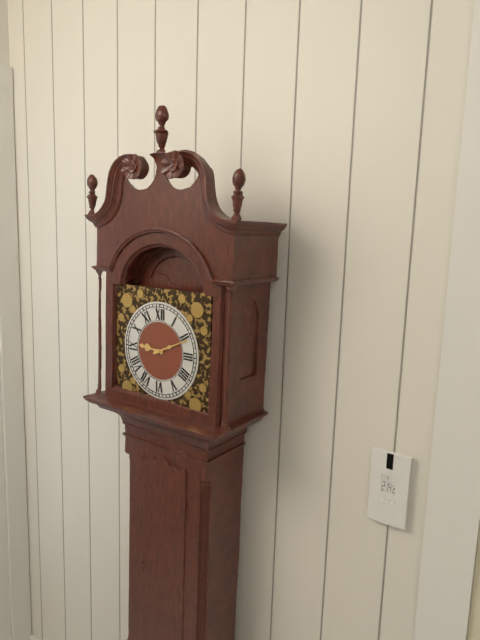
9:11
